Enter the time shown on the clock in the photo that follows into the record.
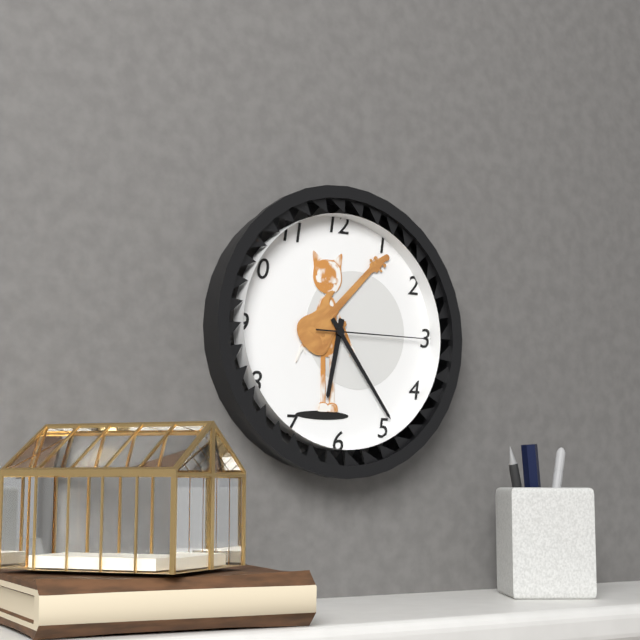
6:24:15
